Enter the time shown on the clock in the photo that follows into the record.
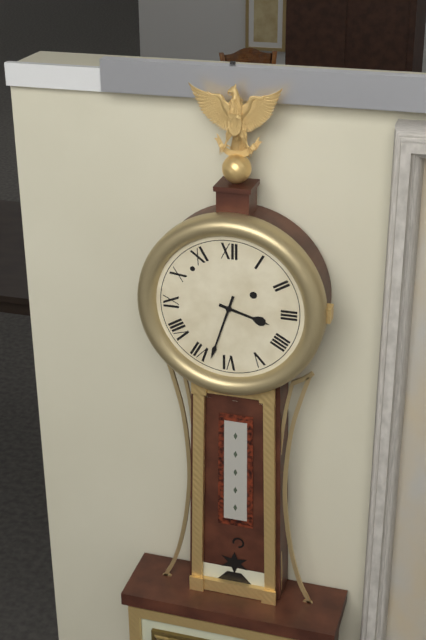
3:33
